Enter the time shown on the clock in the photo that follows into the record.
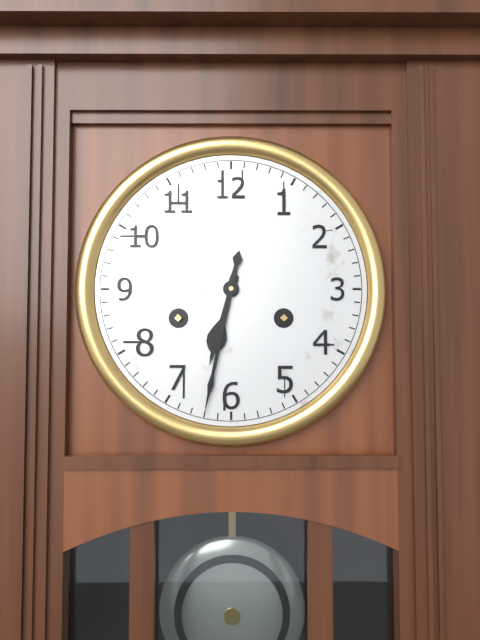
6:32
